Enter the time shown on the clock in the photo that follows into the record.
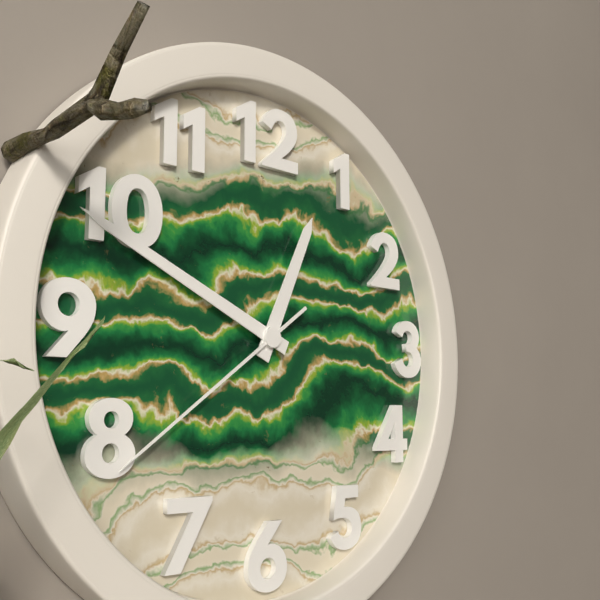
12:49:39
